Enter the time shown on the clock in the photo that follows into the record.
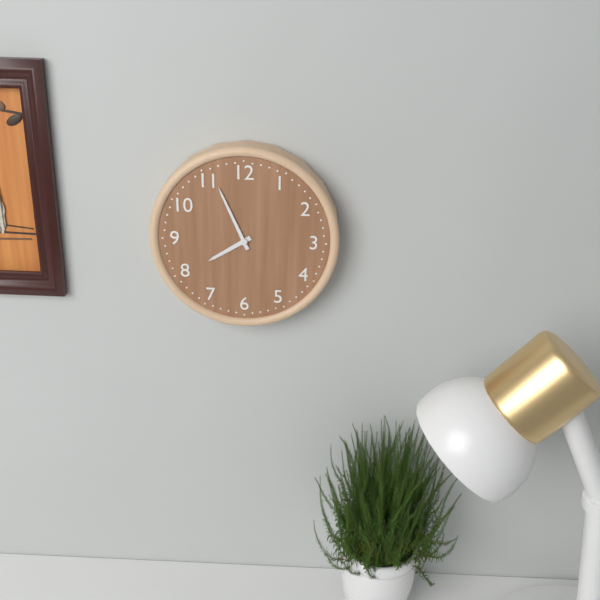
7:56
